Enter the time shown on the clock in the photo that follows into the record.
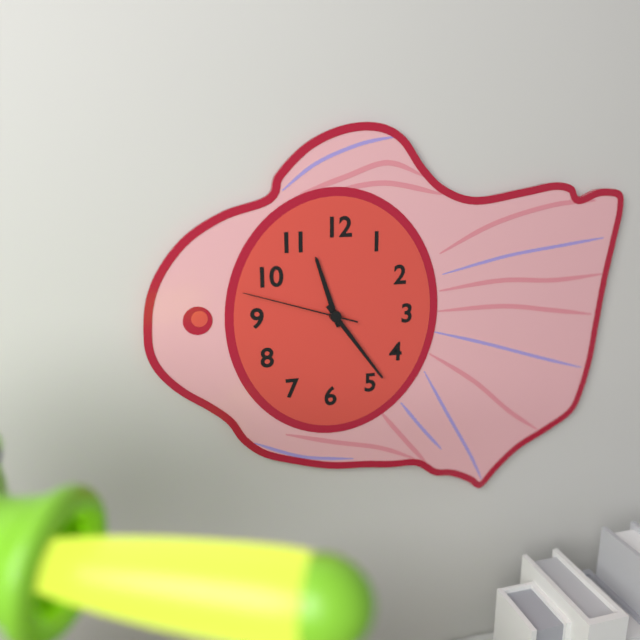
11:24:48
